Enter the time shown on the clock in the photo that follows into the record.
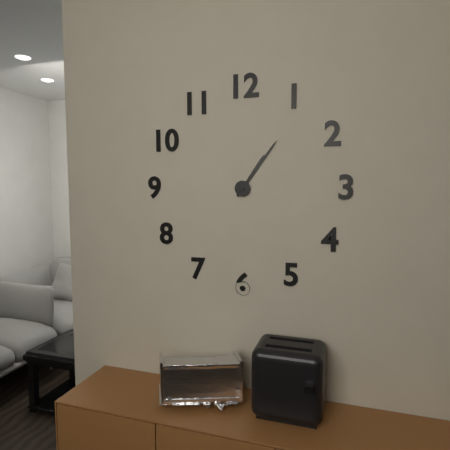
1:06
